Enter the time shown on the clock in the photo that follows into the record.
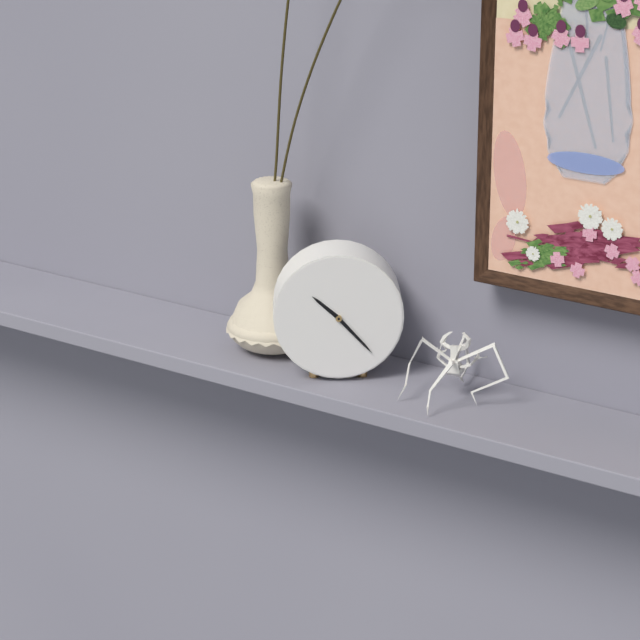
10:23
